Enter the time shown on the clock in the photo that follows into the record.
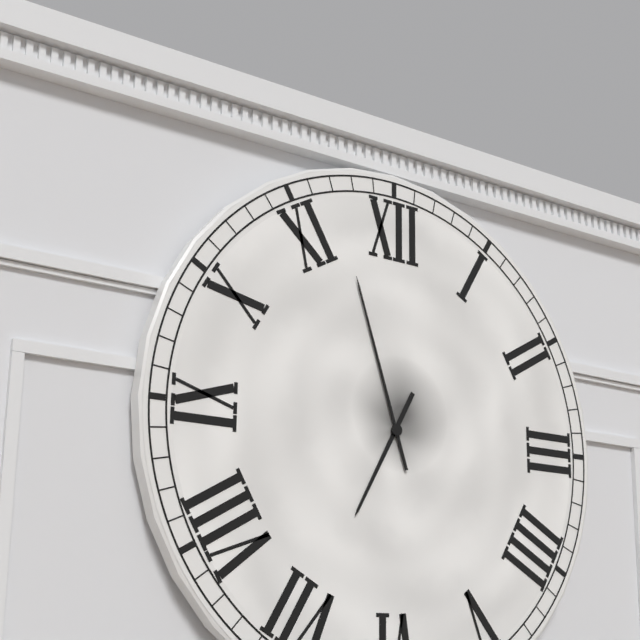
6:57
